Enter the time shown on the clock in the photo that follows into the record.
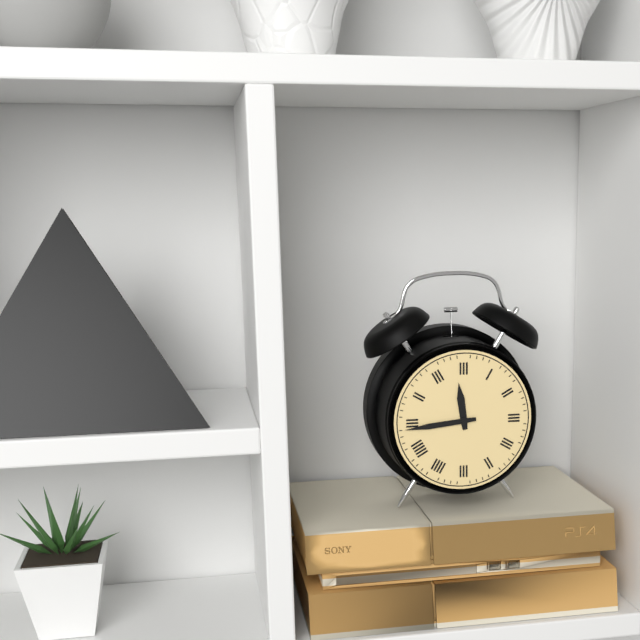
11:44
